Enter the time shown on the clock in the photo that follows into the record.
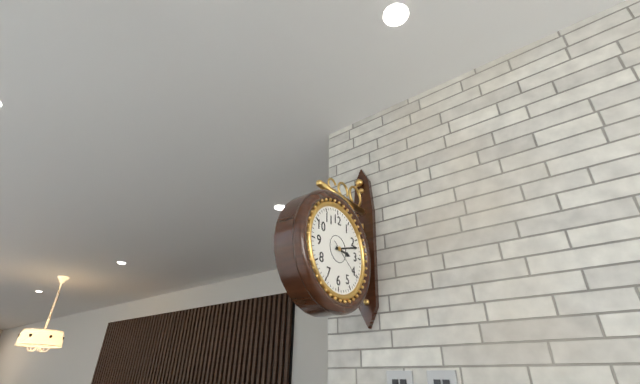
3:12
